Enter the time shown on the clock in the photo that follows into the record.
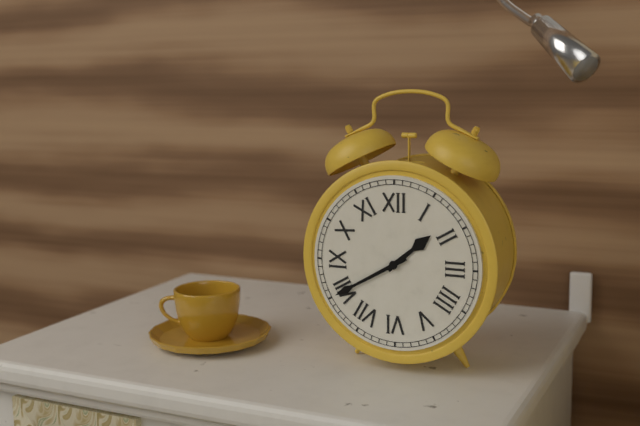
1:40
